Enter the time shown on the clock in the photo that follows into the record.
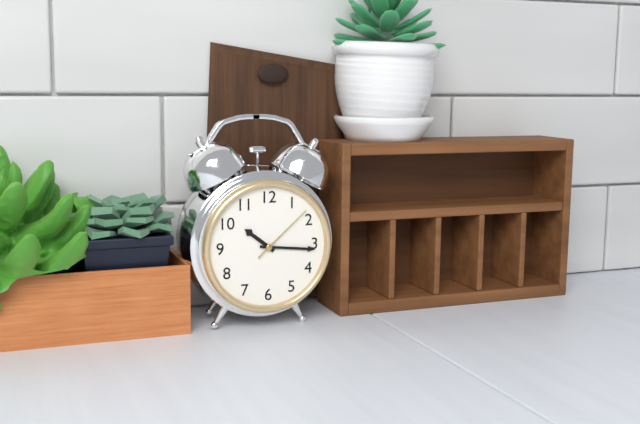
10:16:08
